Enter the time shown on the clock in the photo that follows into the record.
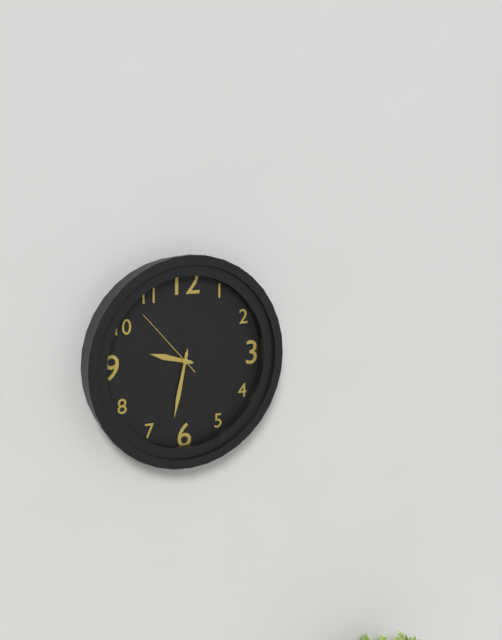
9:32:53
